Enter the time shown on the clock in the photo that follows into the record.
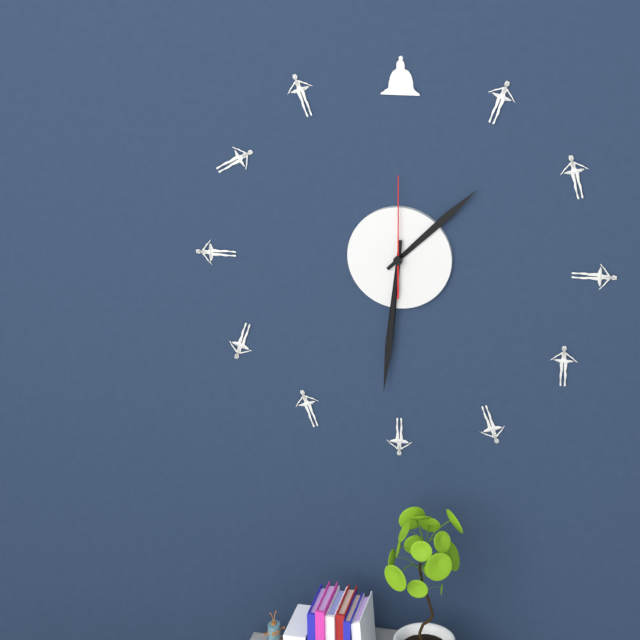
1:31:00
